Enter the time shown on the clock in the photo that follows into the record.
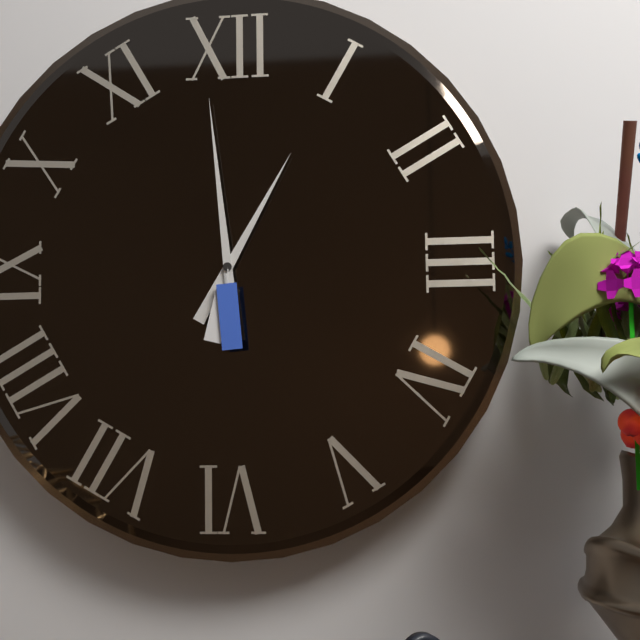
12:59
